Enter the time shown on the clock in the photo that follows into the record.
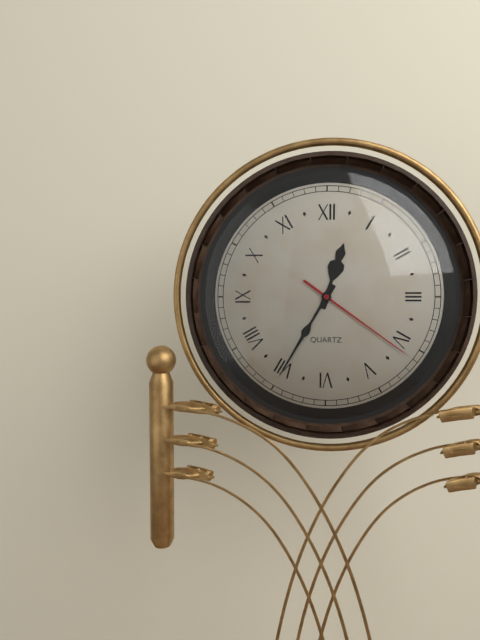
12:35:21
